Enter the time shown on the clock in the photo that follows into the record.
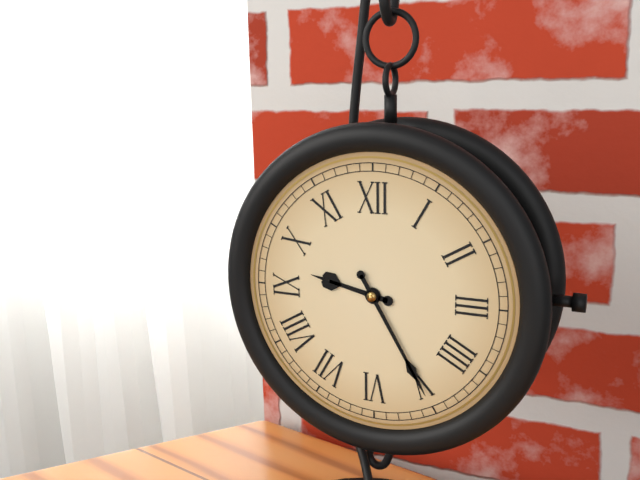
9:25
